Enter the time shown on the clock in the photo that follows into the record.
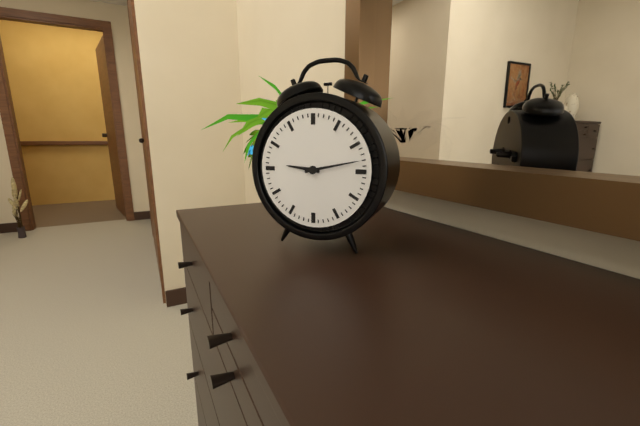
9:13
